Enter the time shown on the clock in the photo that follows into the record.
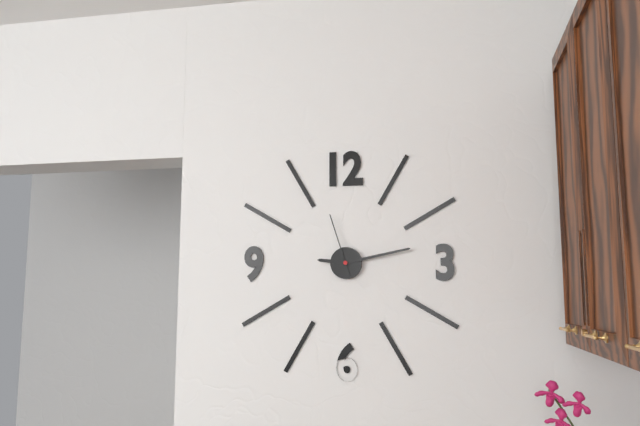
9:13:57
